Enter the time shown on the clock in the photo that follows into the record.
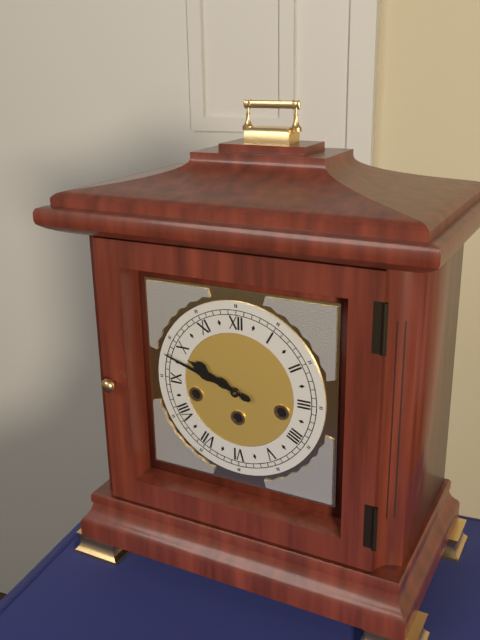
9:48
